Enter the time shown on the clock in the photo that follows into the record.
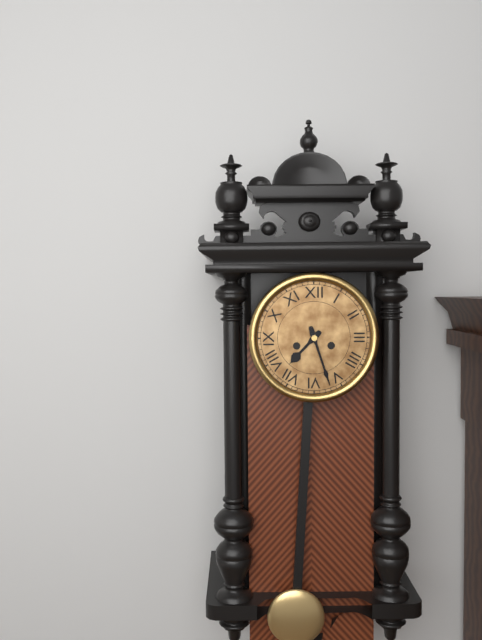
7:27
